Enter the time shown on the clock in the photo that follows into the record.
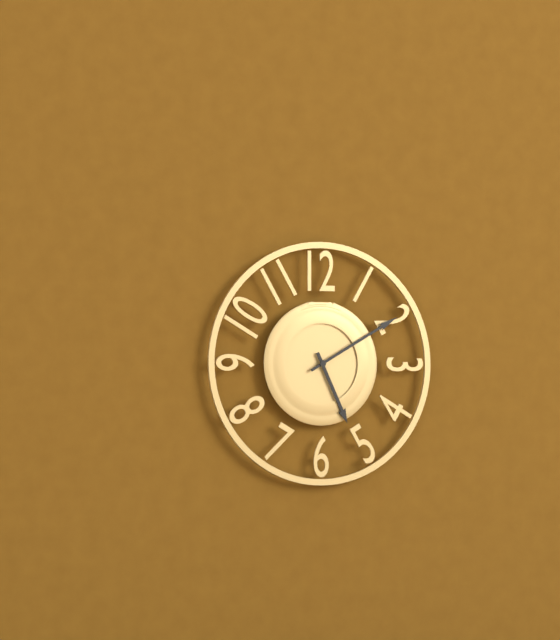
5:10
